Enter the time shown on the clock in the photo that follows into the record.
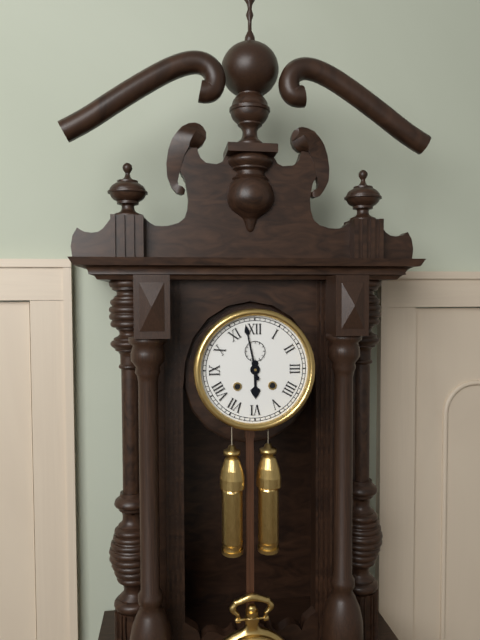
5:58
